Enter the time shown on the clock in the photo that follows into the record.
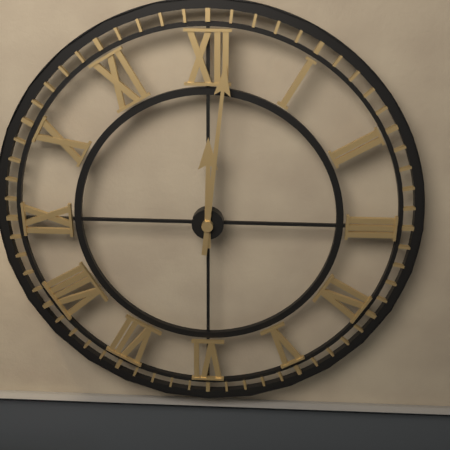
12:01
